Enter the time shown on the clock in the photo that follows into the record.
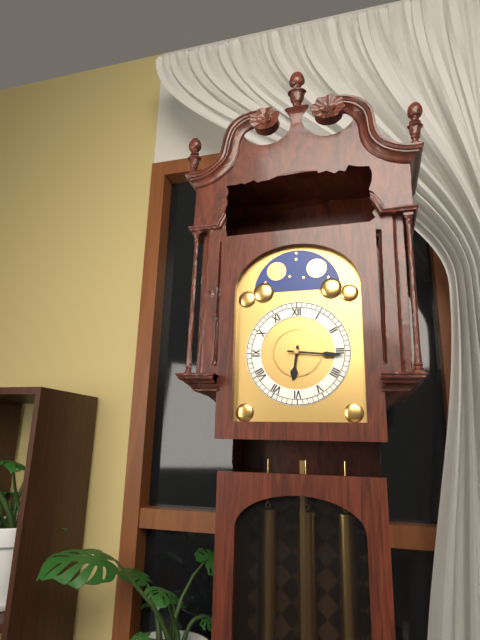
6:16
